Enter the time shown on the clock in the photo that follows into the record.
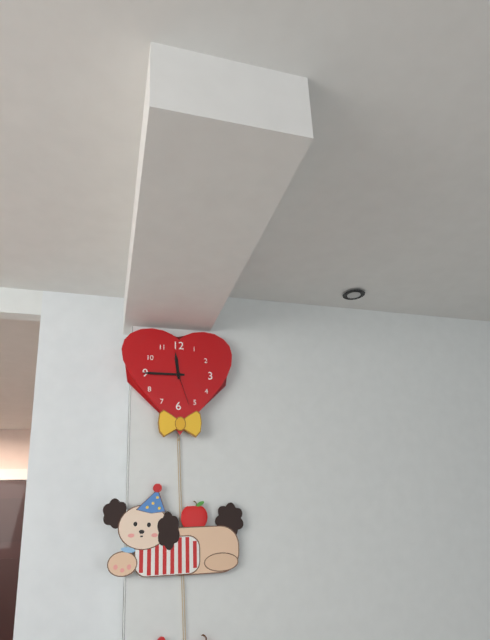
11:45
